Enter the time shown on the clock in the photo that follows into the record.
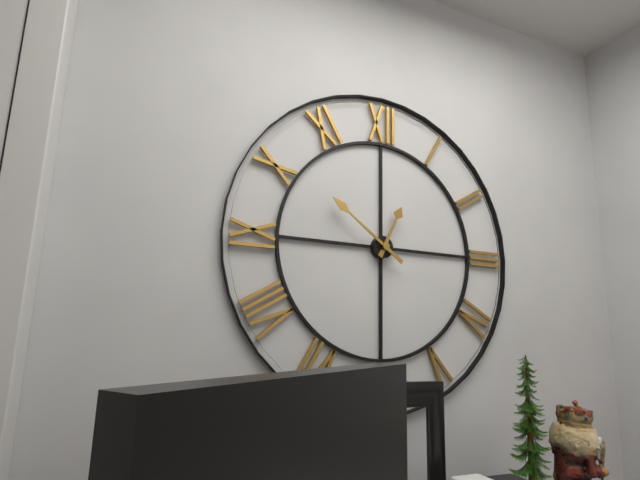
12:51
